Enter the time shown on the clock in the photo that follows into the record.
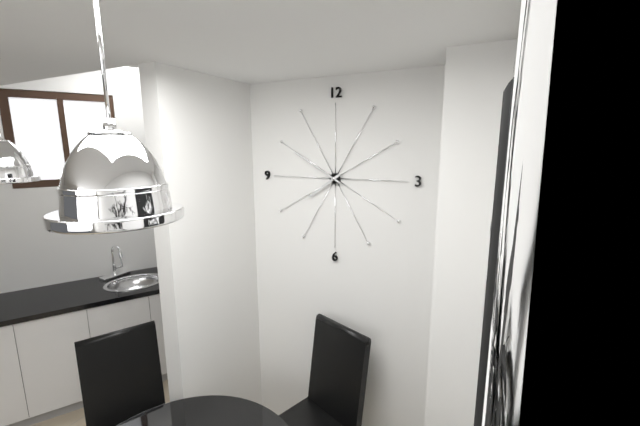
7:50
